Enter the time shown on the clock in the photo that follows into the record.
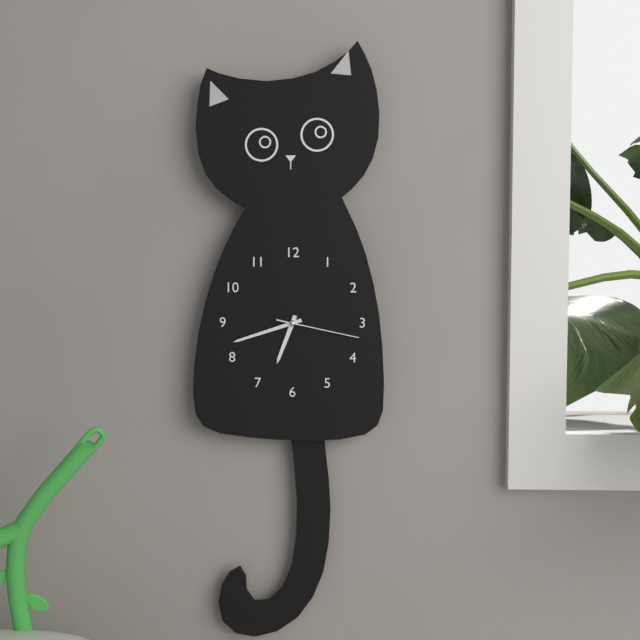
6:42:17
